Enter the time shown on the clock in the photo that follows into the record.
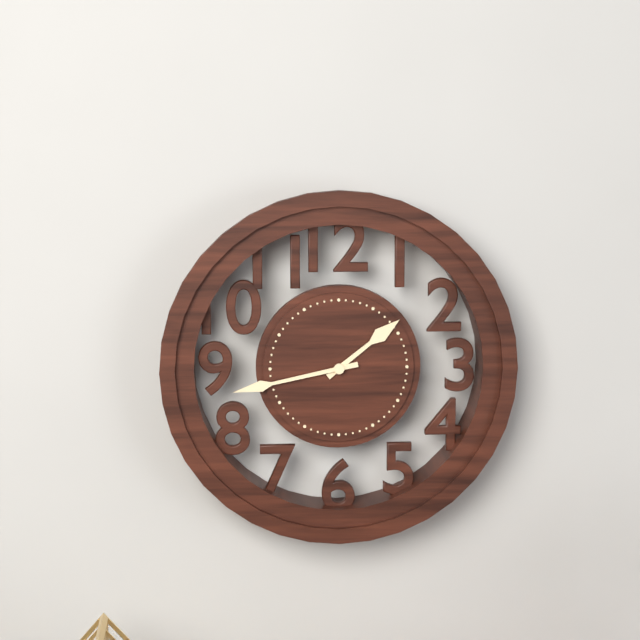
1:43
